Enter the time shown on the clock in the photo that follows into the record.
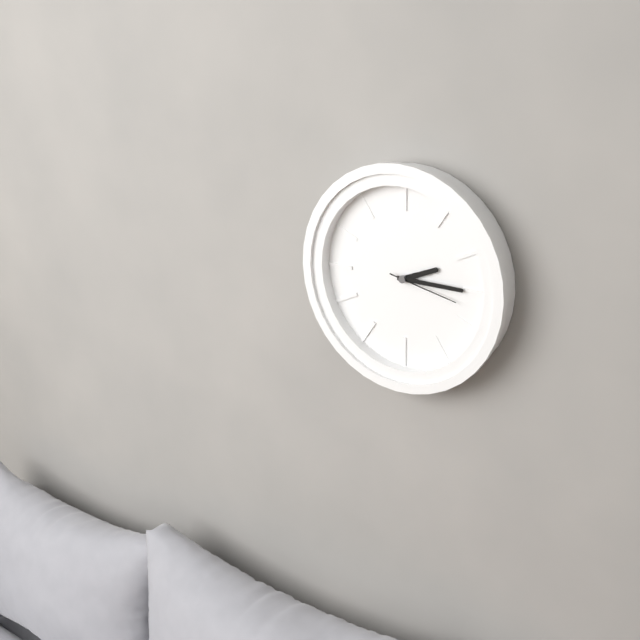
2:15:17
